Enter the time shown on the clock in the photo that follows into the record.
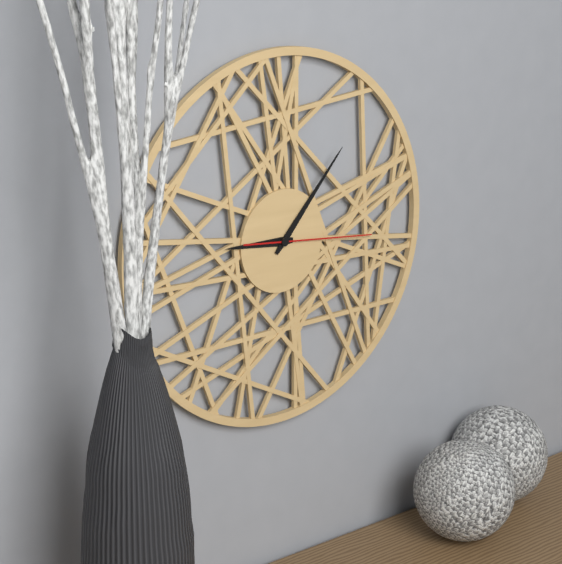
9:07:16
